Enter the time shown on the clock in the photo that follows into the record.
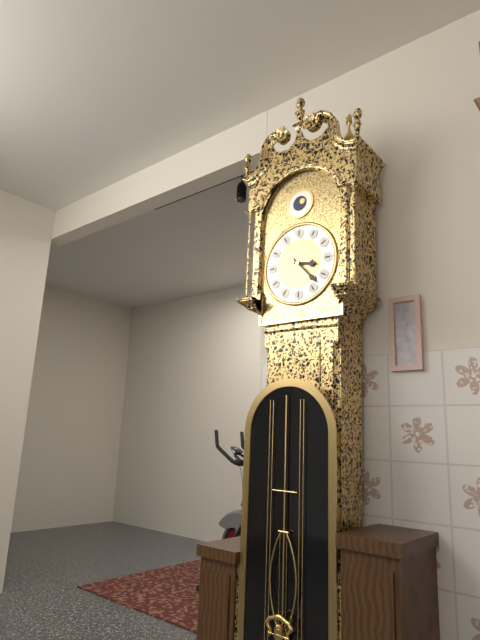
3:23
